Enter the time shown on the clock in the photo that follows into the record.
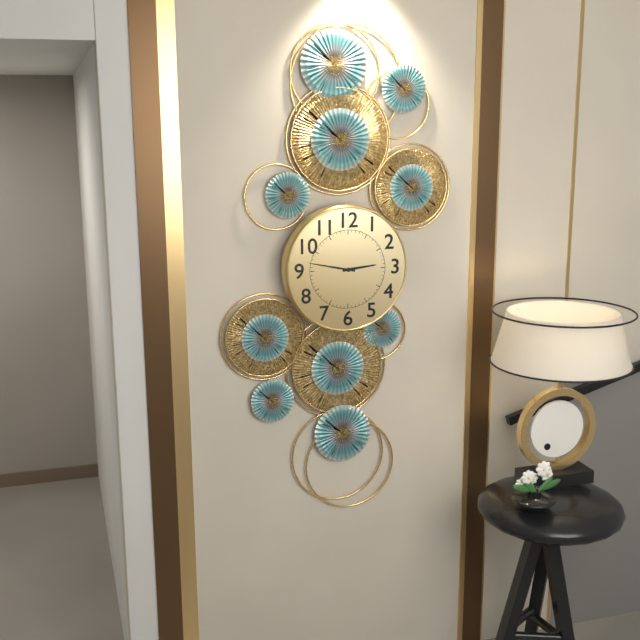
2:47
